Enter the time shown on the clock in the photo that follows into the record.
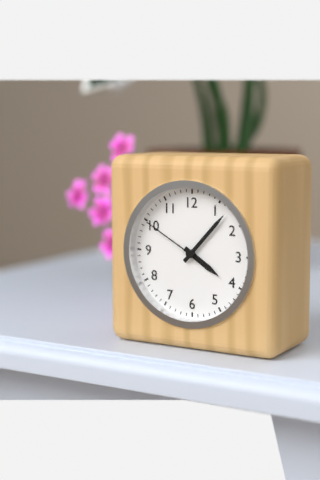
4:07:50
